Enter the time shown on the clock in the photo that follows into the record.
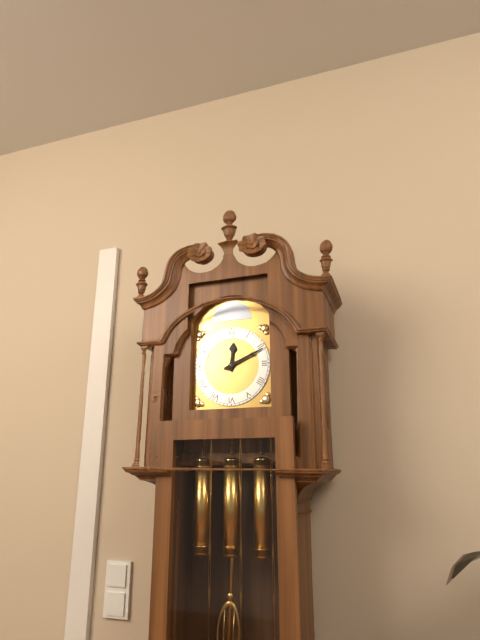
12:11
